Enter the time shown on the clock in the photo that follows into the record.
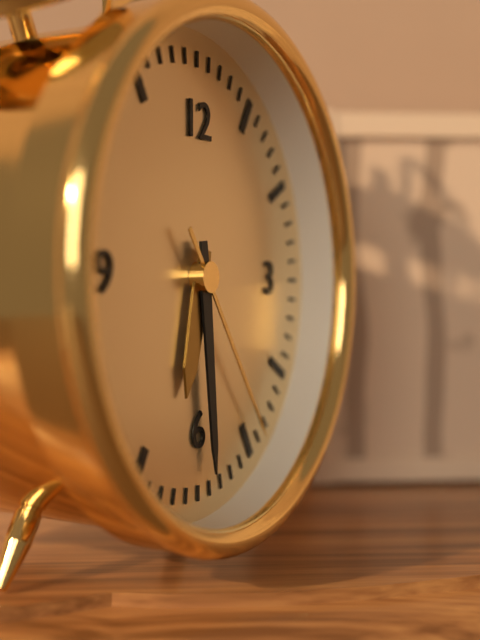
6:29:24
